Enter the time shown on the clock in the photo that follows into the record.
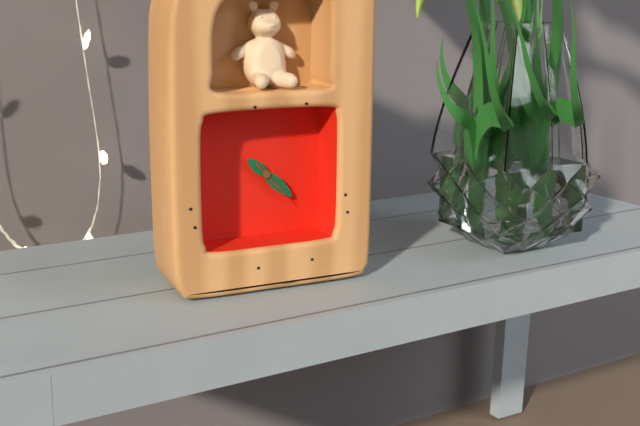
10:22:23
